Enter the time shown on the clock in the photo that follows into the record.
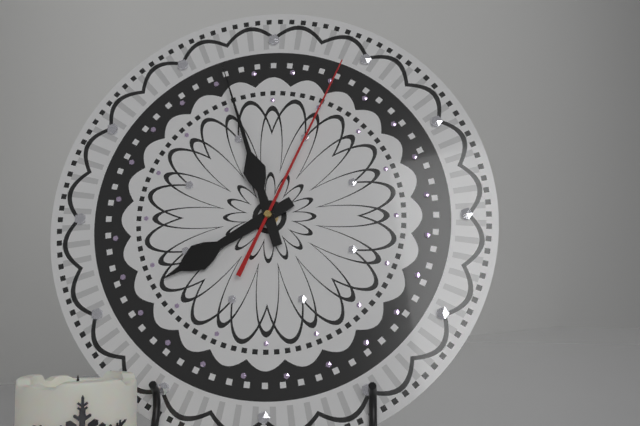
7:57:04
